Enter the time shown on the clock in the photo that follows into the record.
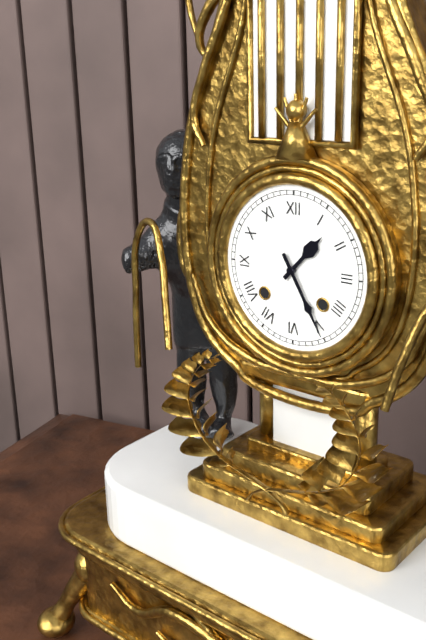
1:25
